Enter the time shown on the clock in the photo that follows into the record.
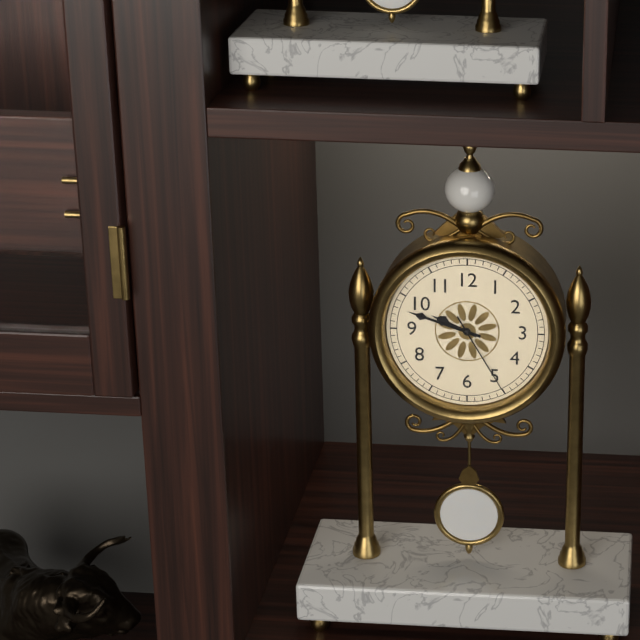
9:48:25
